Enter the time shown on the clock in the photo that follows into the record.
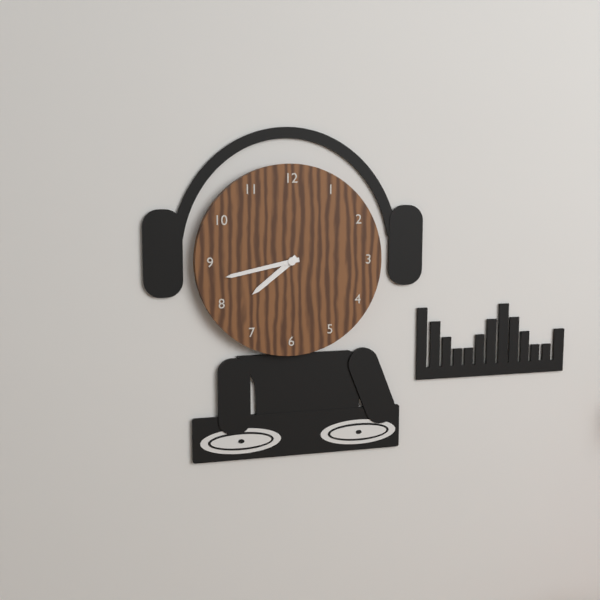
7:43
